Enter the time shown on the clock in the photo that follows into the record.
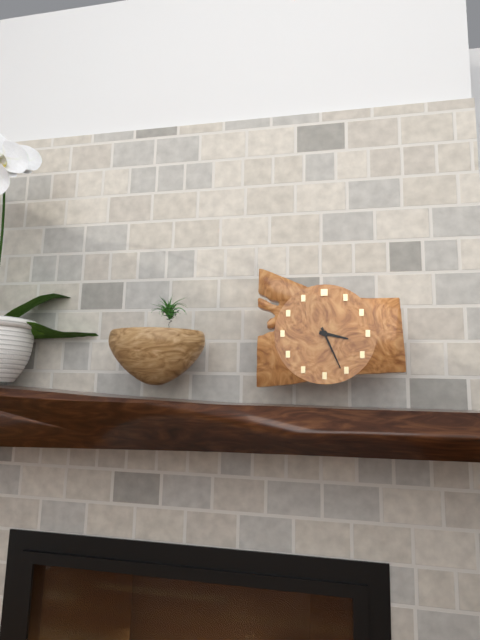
3:26
